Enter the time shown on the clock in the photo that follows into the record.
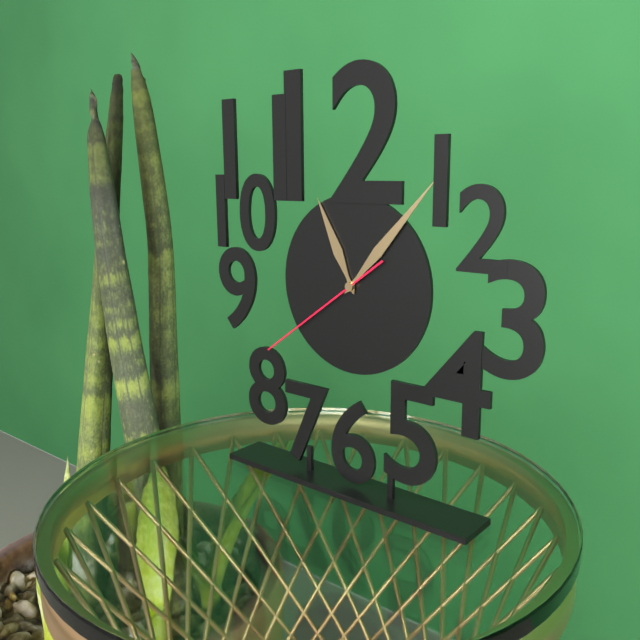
11:07:39
